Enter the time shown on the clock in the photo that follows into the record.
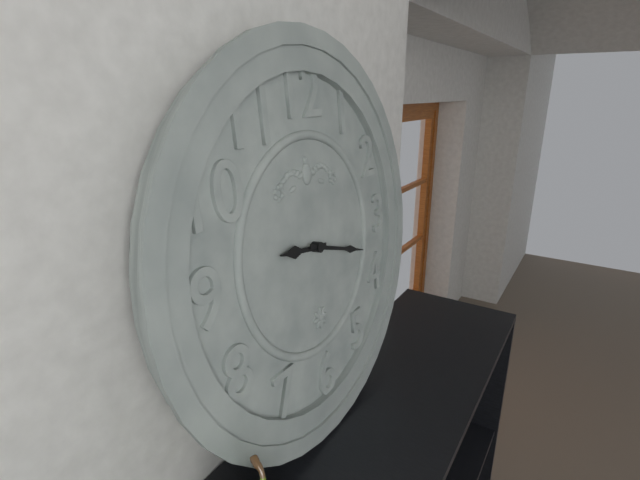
9:18
